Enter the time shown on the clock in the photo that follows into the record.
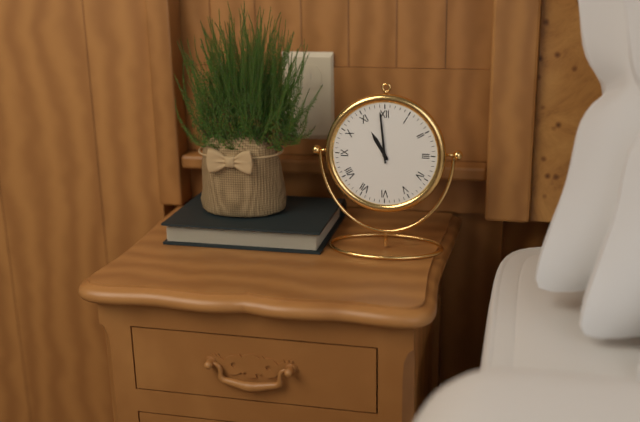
10:59
